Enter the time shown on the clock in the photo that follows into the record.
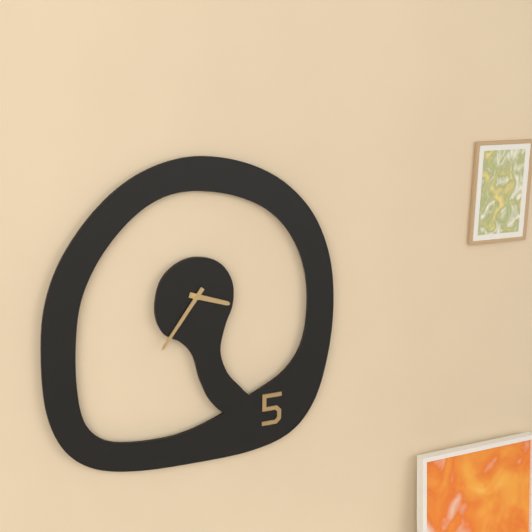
3:36
